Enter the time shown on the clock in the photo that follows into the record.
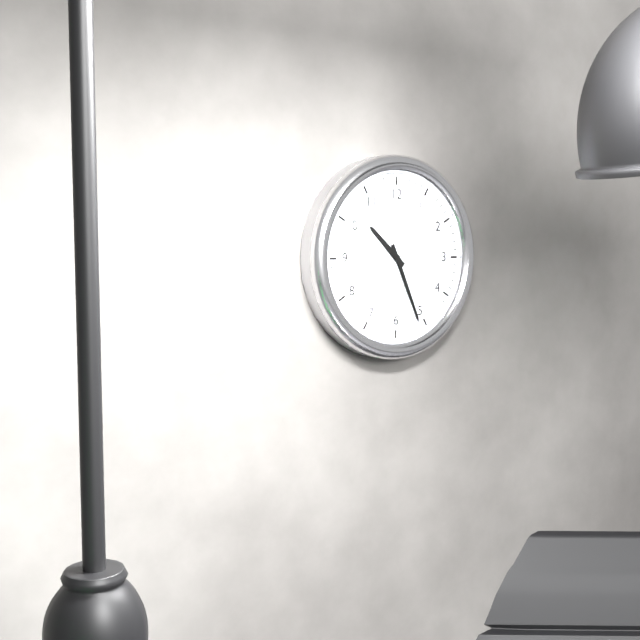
10:26
